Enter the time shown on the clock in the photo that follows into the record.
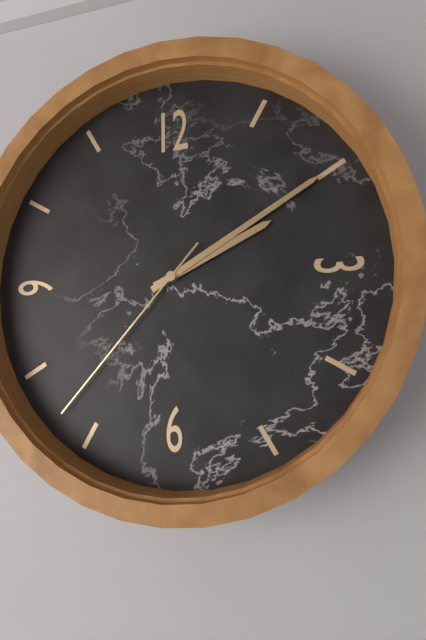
2:10:37
